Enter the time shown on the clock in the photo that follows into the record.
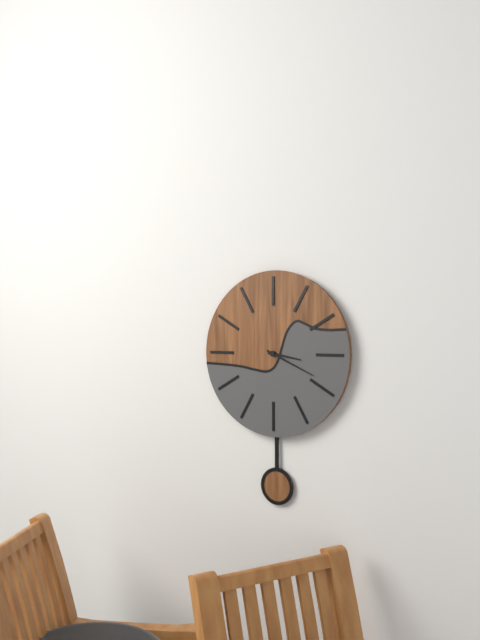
3:19
